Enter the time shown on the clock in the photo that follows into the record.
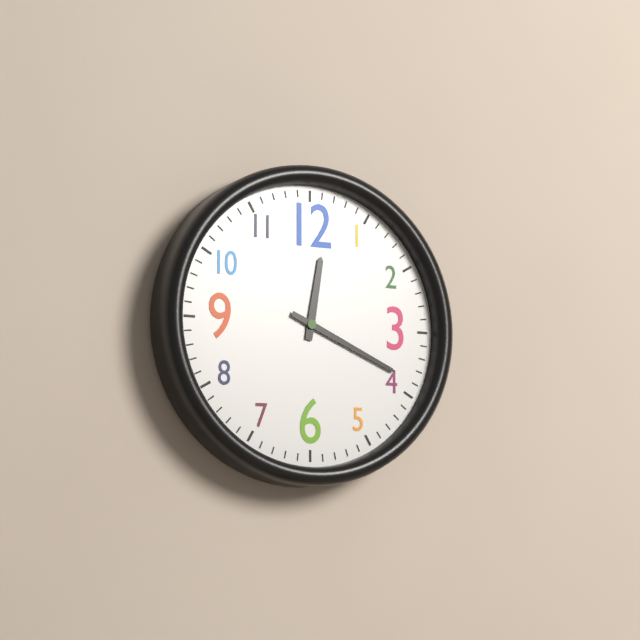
12:19
